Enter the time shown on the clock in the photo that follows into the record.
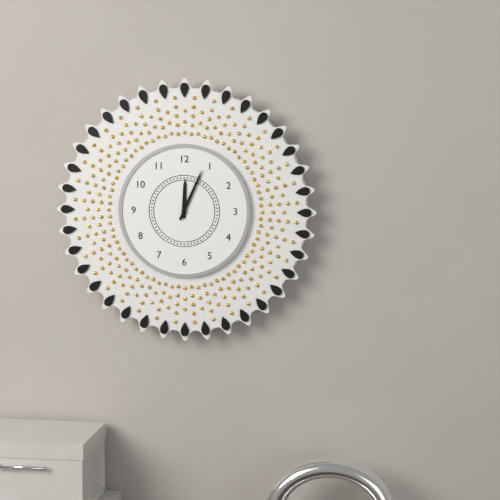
12:04
